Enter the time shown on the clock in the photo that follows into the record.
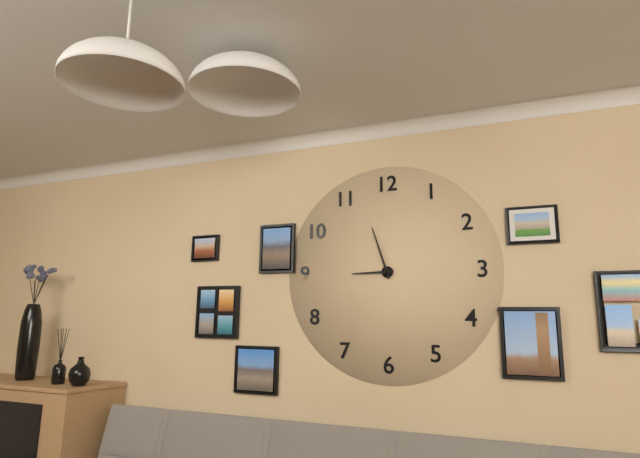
8:57
